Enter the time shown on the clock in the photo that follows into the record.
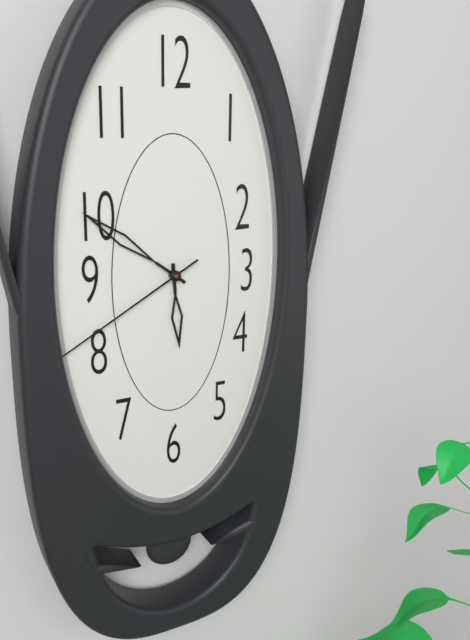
5:51:40
